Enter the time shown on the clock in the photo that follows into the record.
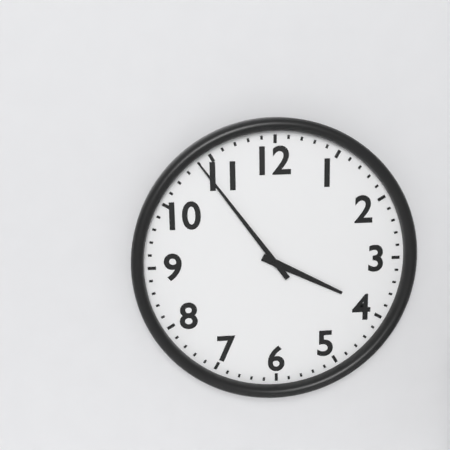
3:54
